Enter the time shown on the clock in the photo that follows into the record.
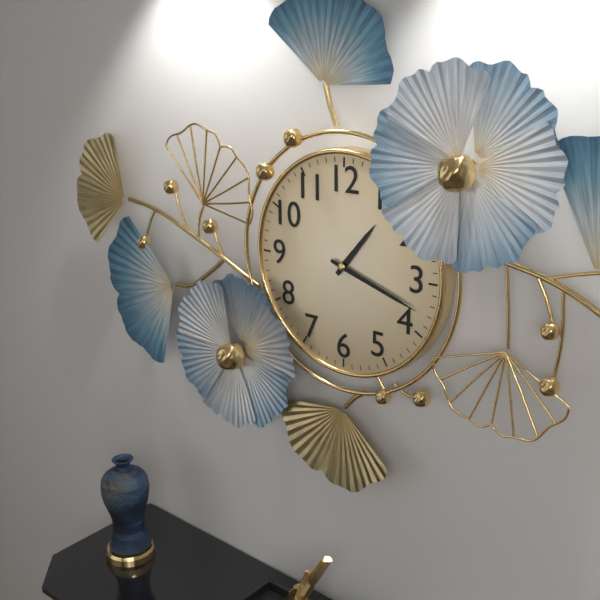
1:18
